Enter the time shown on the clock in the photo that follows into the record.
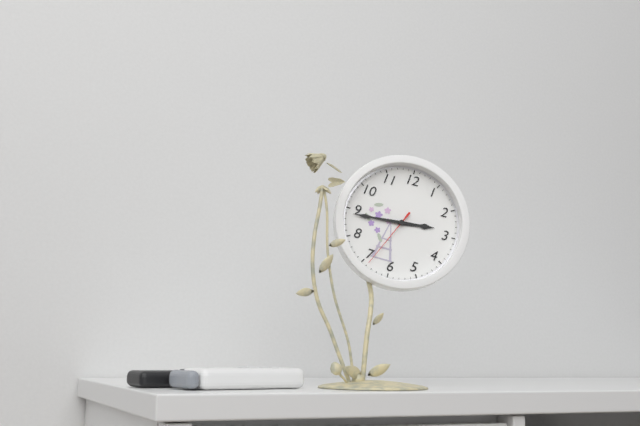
2:44:34
